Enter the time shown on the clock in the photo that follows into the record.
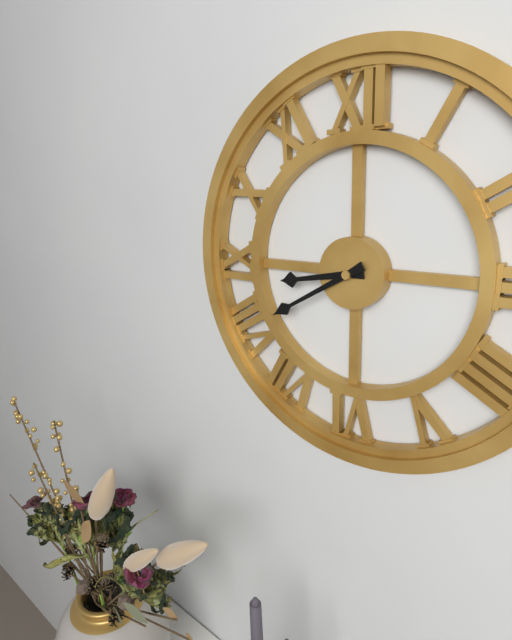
8:40
